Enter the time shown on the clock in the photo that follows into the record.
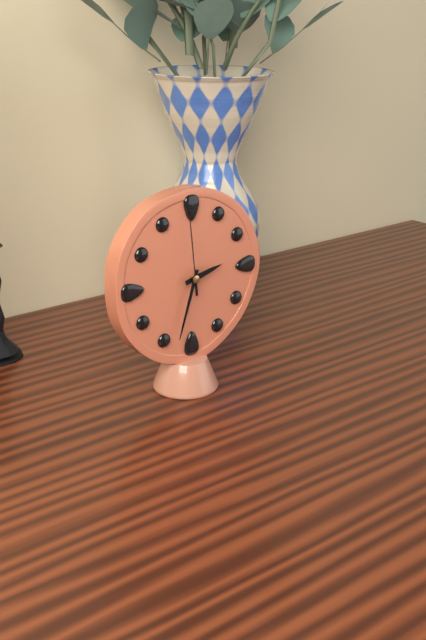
2:33:59
